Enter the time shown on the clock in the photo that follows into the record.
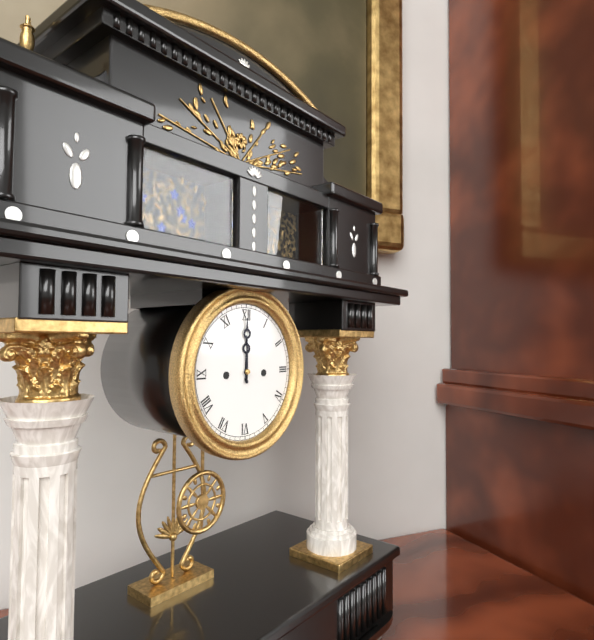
12:00
